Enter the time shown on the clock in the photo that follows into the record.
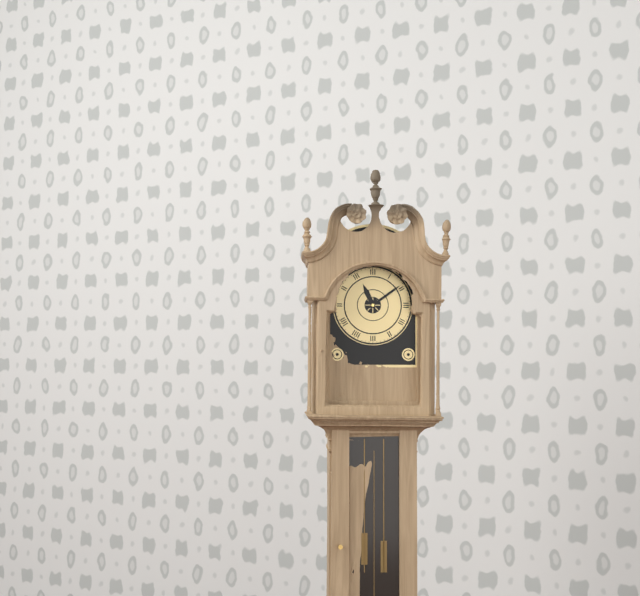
11:09
